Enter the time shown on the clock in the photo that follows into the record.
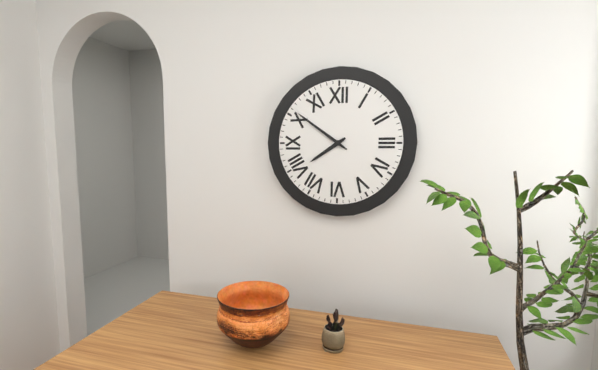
7:51
